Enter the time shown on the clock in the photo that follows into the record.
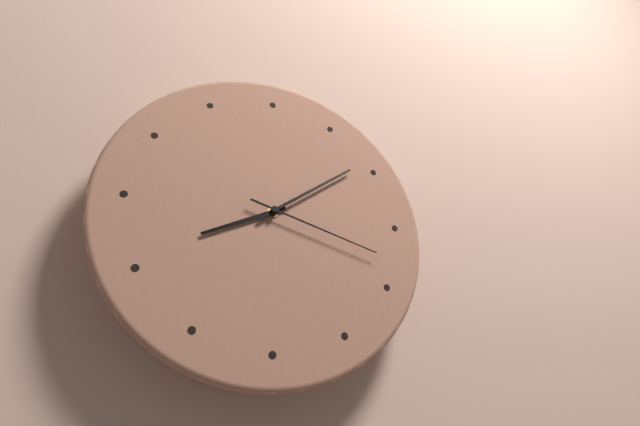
8:09:18
